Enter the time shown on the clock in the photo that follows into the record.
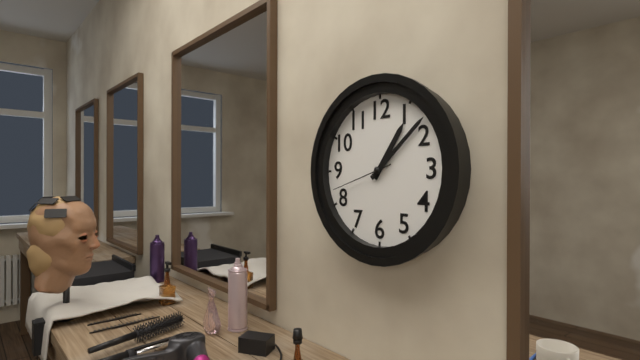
1:08:42
